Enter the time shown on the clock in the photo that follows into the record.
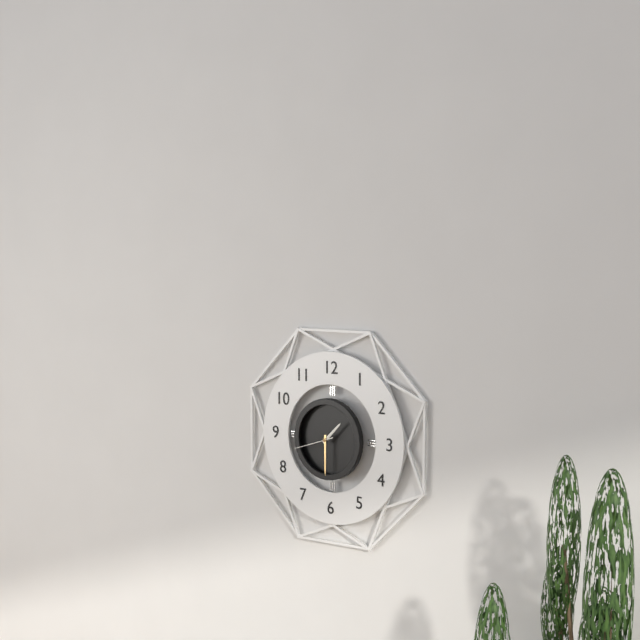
1:30
